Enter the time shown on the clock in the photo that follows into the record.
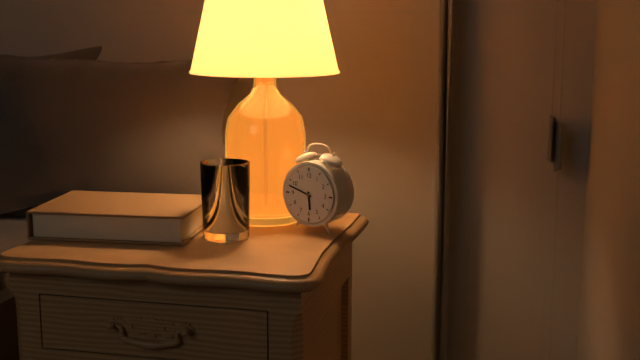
5:48
